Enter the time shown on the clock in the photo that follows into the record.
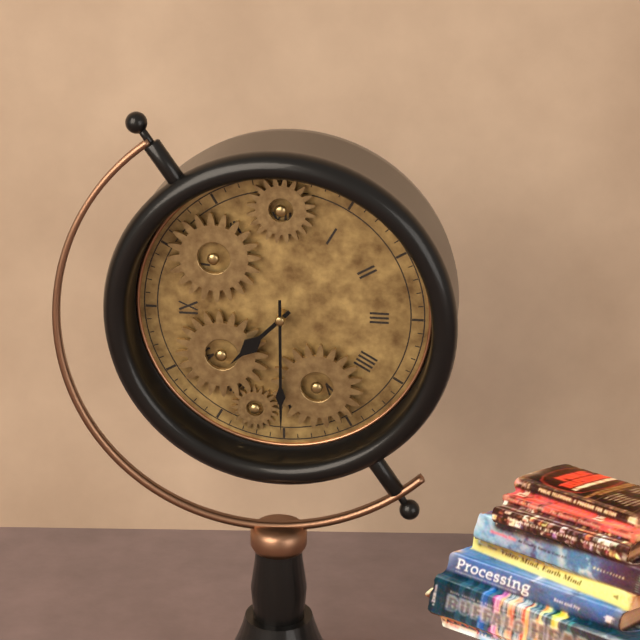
7:30
